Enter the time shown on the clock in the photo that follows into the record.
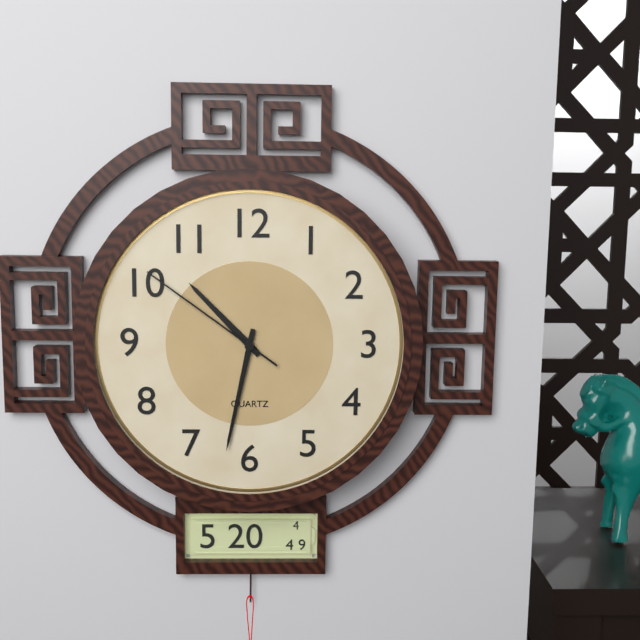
10:32:51
